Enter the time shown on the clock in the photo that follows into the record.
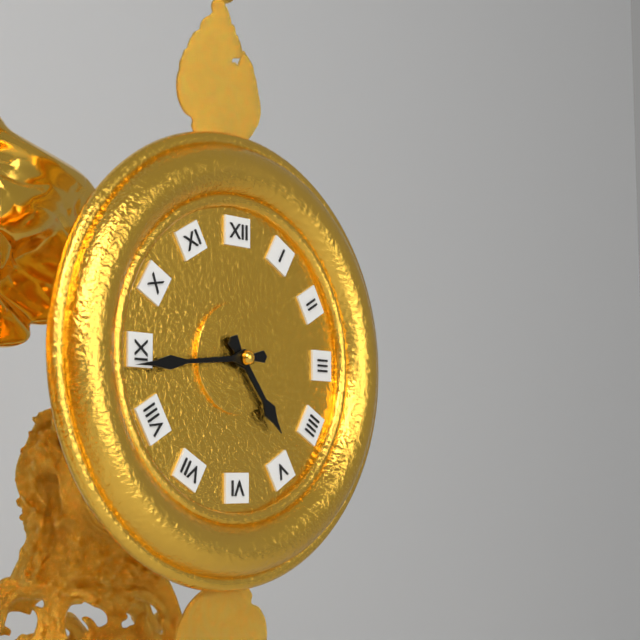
4:44
